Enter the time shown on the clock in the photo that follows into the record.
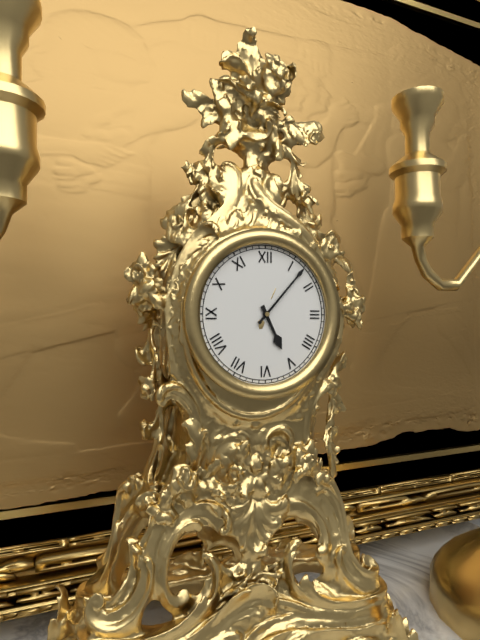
5:07
